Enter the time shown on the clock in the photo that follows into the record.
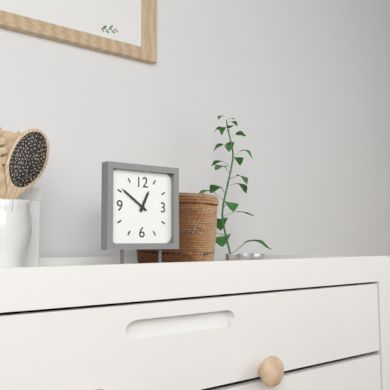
12:51
